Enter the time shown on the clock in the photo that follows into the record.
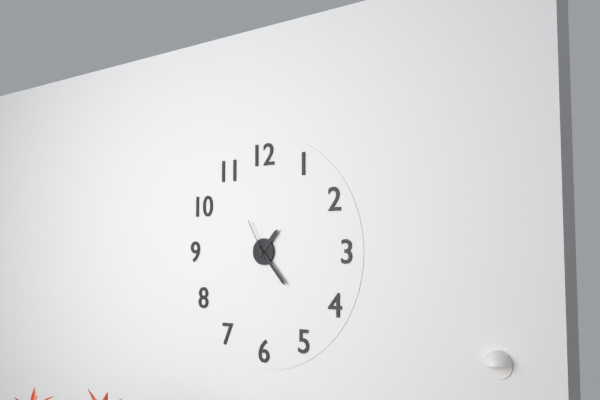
1:23
